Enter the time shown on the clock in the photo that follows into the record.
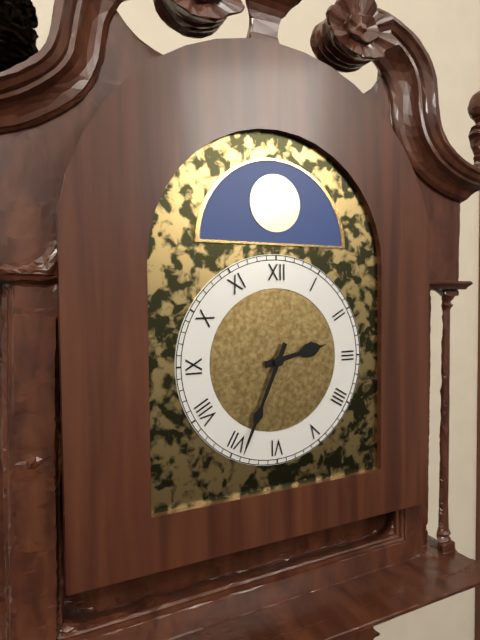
2:34
